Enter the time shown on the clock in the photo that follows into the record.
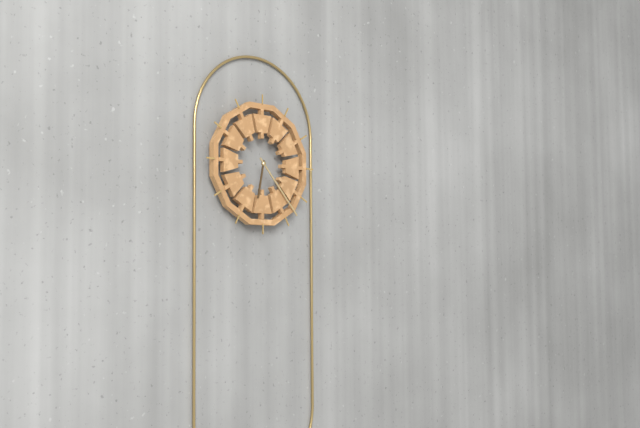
6:23
